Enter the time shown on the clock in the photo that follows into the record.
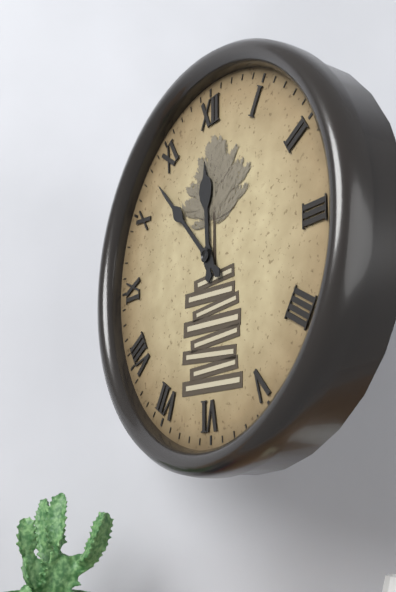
11:53
